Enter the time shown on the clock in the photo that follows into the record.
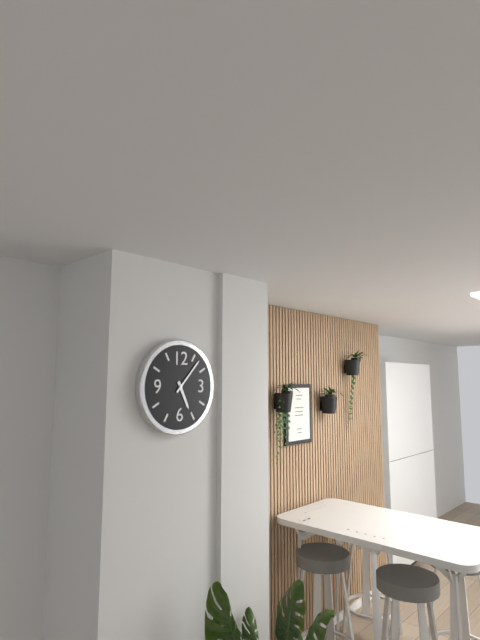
5:07
